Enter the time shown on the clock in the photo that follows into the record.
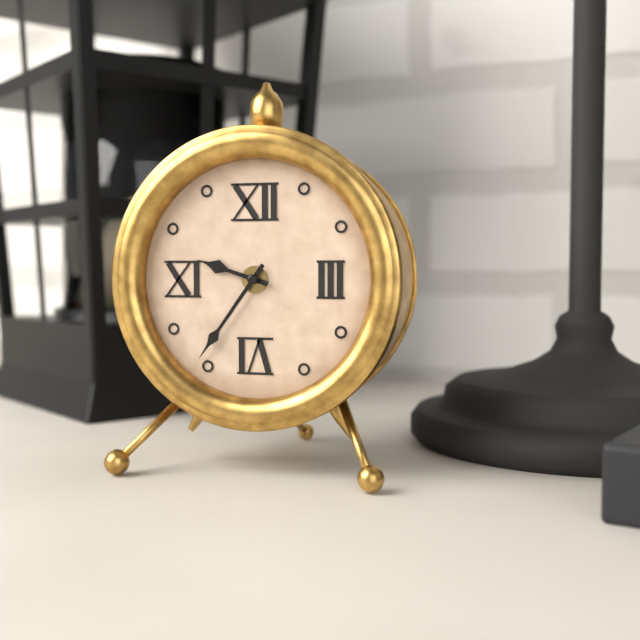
9:36
